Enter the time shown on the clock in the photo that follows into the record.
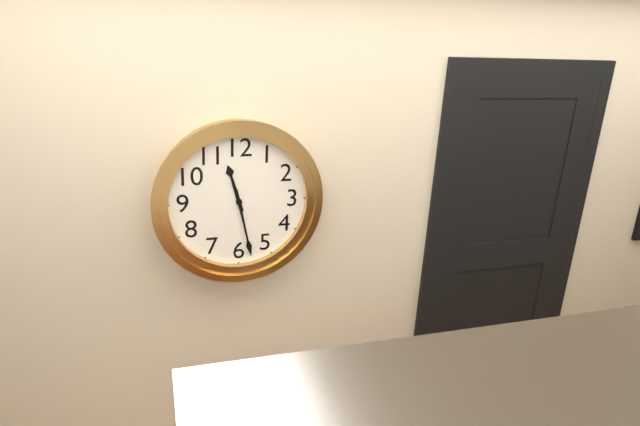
11:28
